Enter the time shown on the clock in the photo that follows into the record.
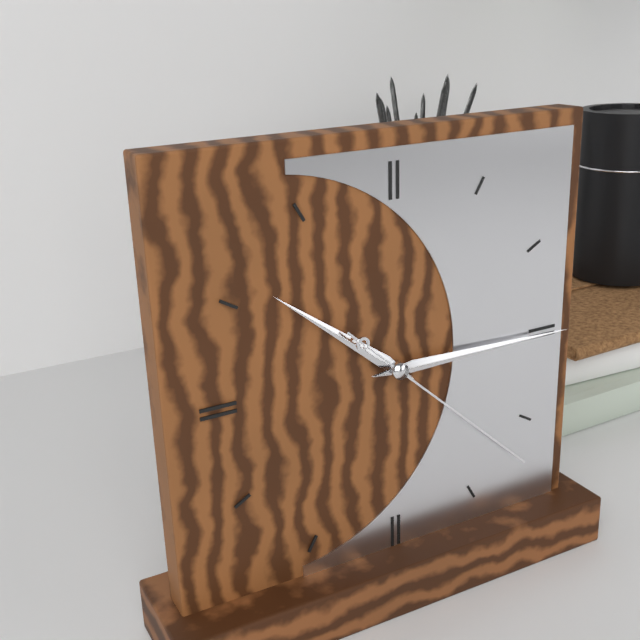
10:15:22
